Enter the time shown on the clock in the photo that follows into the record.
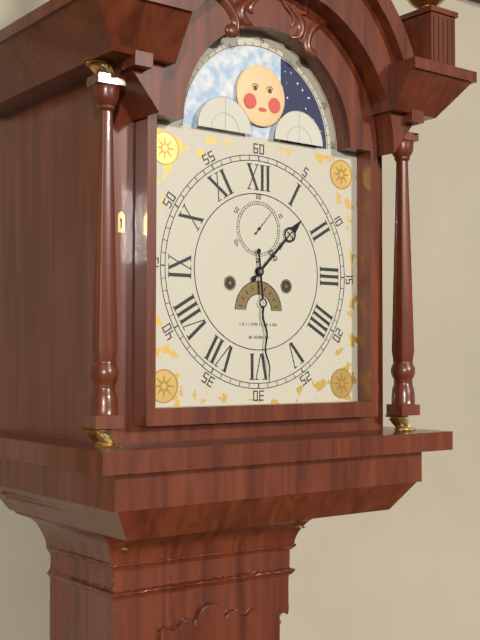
1:29
